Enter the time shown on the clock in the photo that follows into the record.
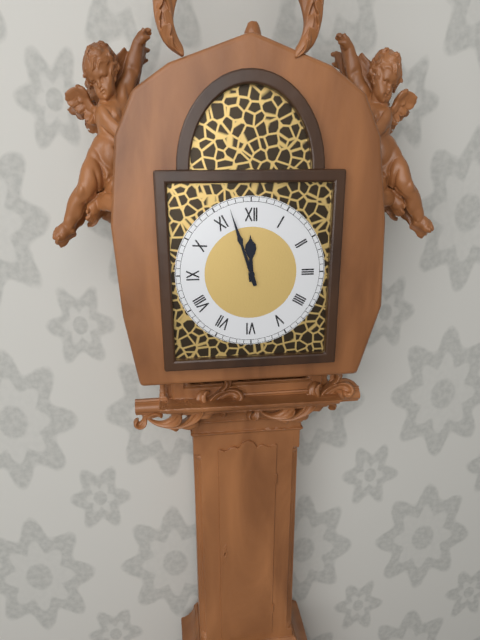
11:57
